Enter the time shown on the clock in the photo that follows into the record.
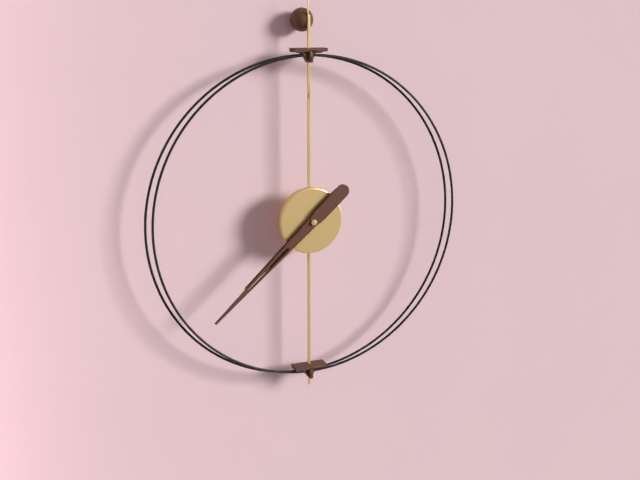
7:38
